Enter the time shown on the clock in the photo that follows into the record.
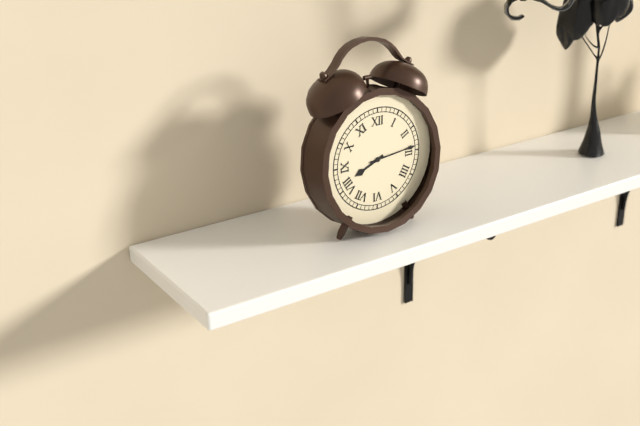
8:14
